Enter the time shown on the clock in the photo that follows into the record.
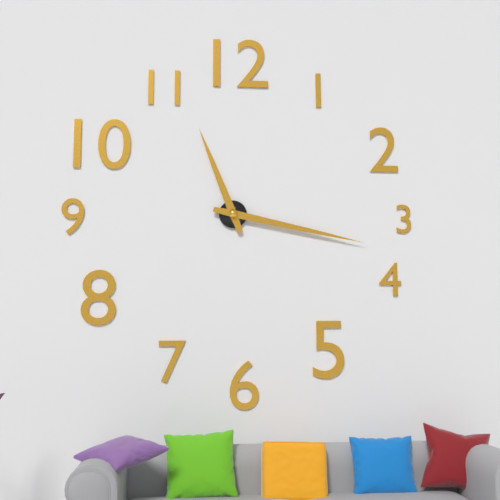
11:17
